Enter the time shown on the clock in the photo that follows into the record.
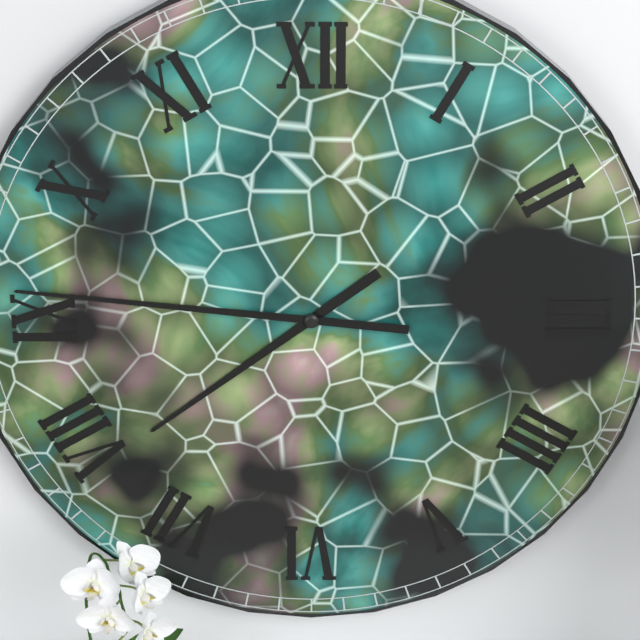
7:46
